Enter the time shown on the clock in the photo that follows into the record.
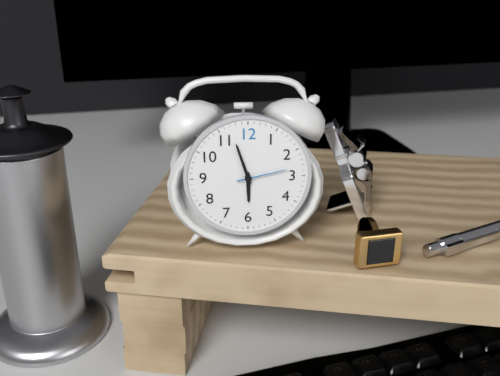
5:57:13
